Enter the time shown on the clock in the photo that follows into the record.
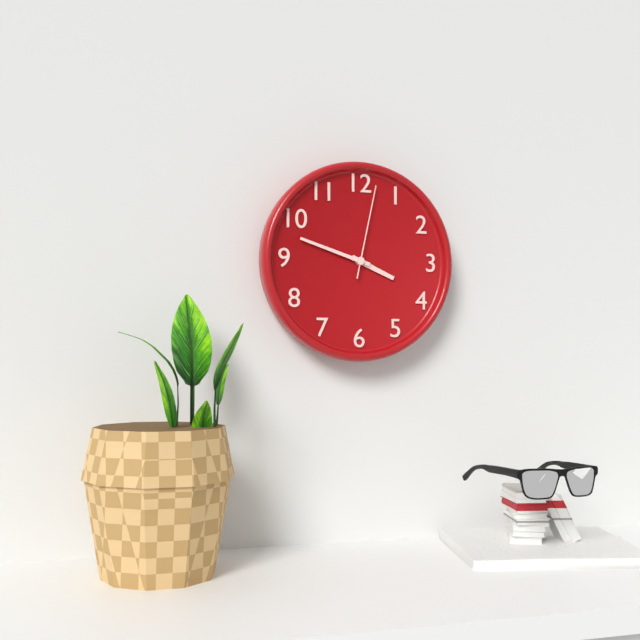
3:48:02
